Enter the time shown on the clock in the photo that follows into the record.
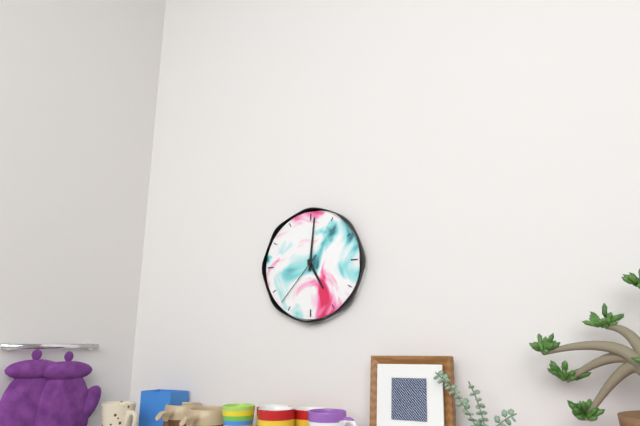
5:01:37
